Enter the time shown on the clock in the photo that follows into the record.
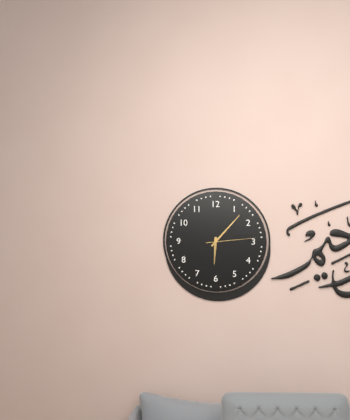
6:07:14
